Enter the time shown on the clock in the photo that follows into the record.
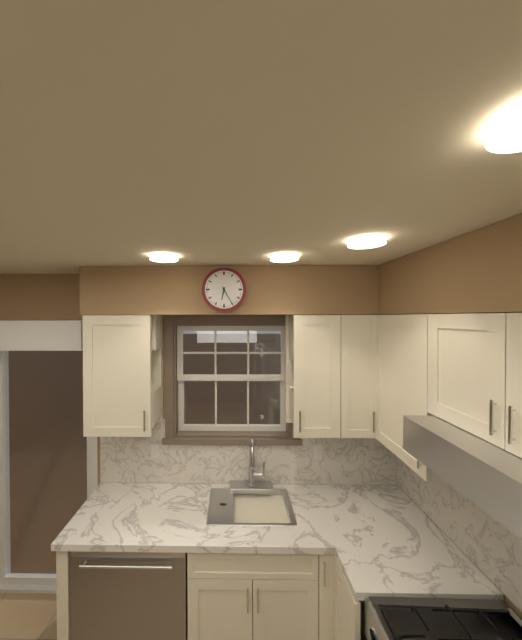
6:25
